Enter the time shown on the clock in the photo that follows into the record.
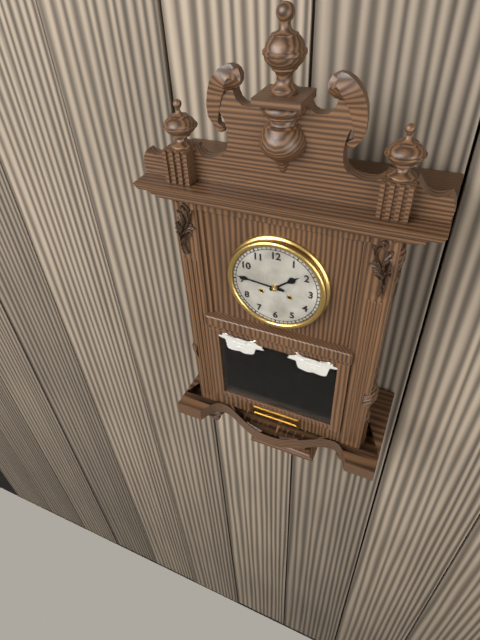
1:46
